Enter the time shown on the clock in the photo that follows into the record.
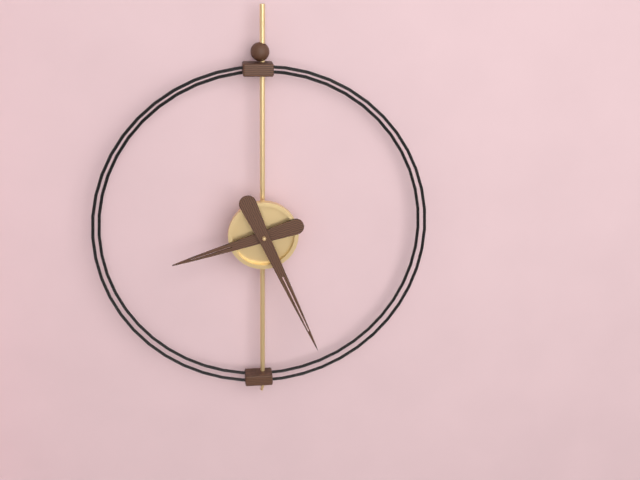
8:26
